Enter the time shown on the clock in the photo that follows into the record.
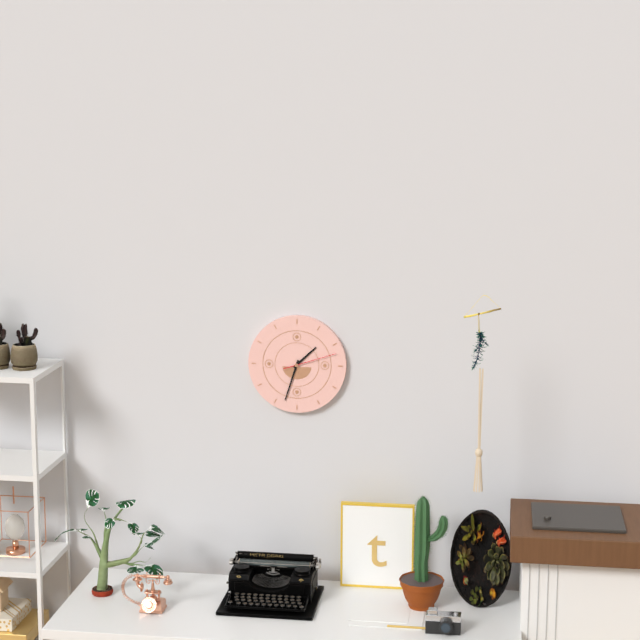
1:33
